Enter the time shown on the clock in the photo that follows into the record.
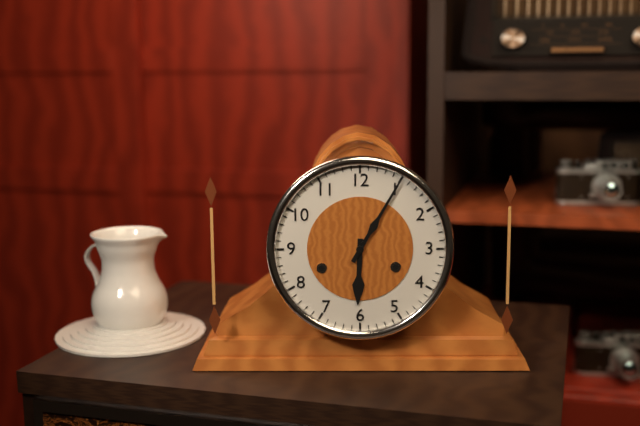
6:05
